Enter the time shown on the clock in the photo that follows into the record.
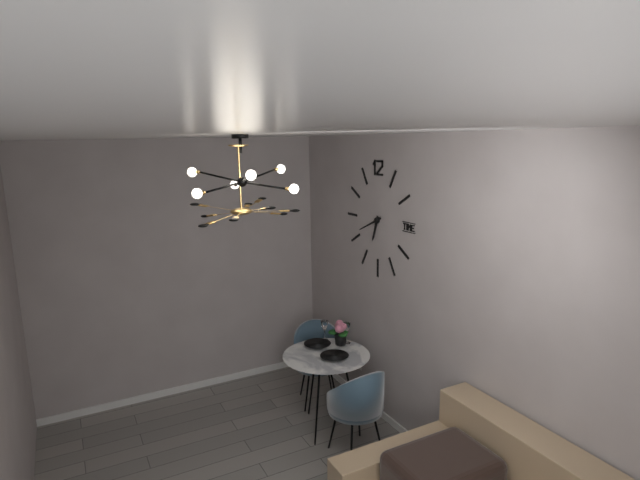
6:41
